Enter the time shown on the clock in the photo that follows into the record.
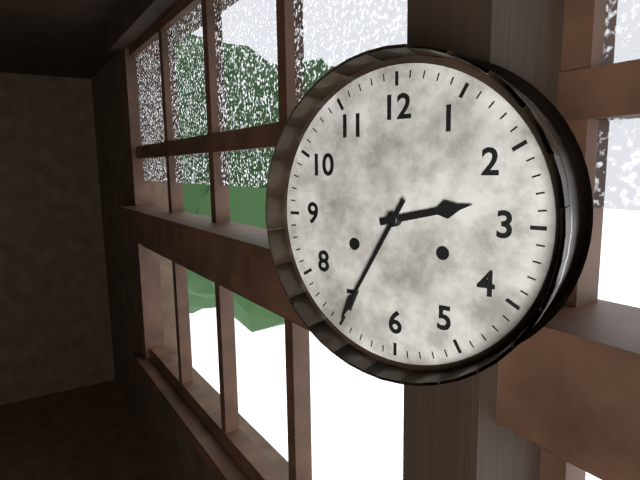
2:35
